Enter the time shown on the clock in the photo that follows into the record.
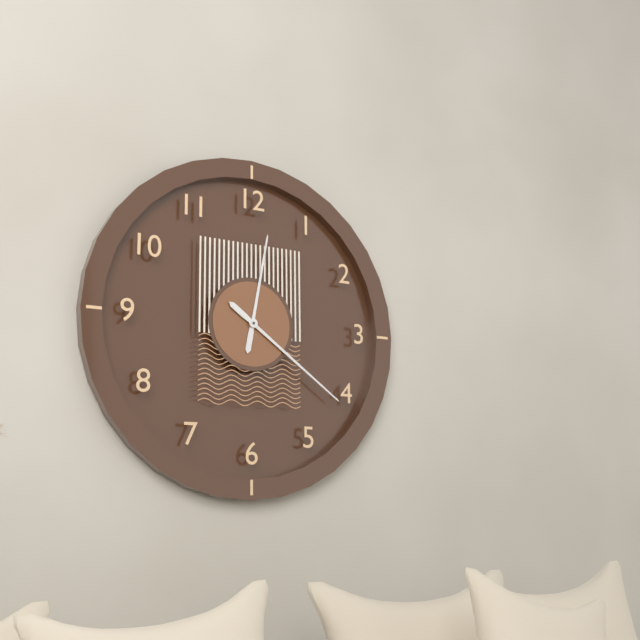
12:21
